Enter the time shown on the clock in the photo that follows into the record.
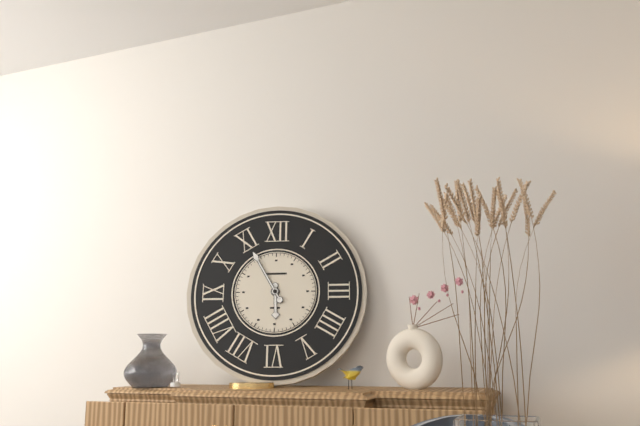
5:55
